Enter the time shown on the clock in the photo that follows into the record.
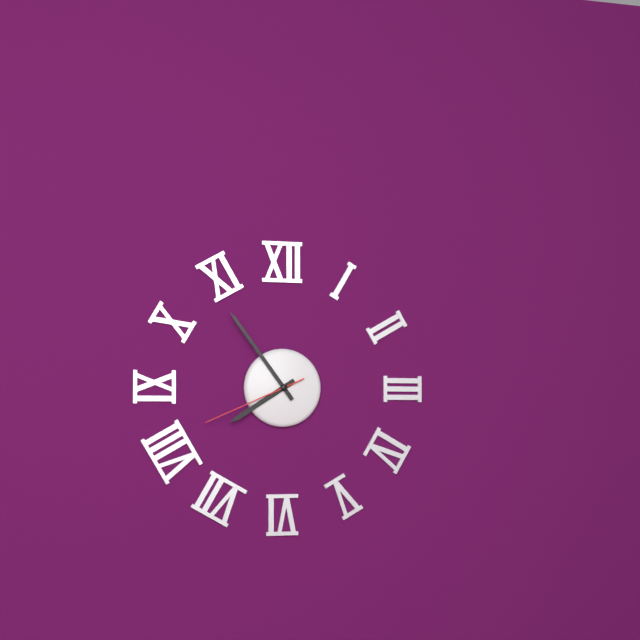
7:54:41
